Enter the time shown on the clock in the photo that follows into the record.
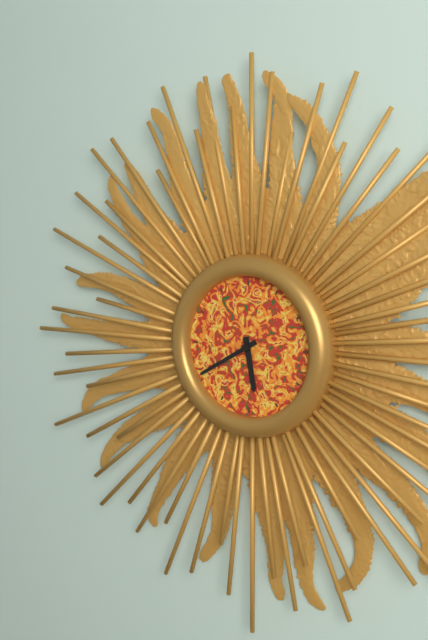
5:40
